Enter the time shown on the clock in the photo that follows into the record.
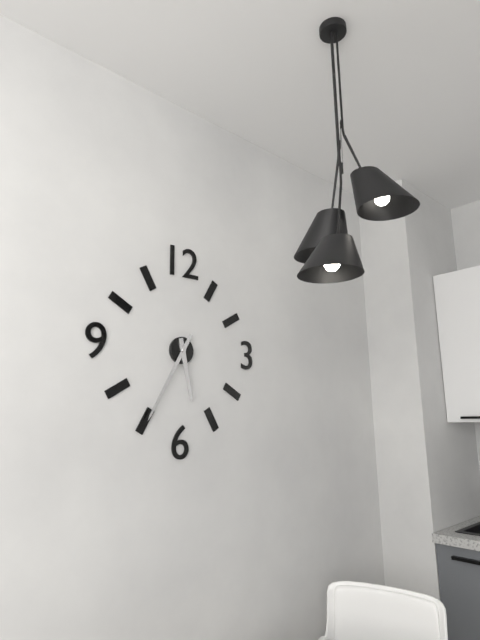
5:35
